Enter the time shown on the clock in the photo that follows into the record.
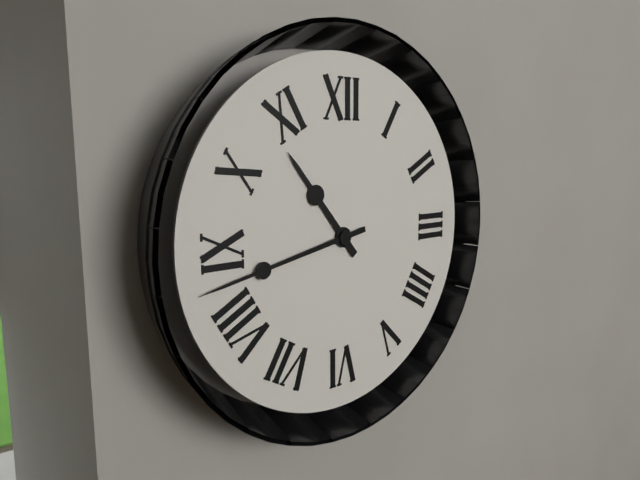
10:43
